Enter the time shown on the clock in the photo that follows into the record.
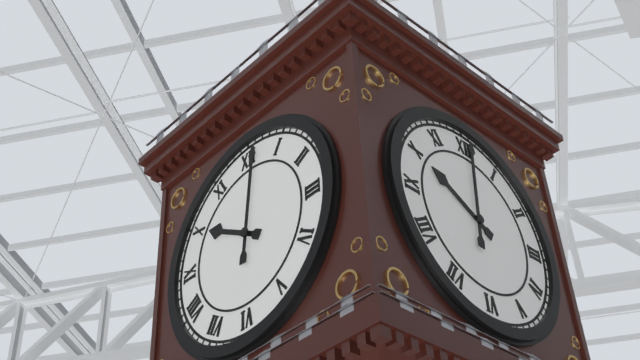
10:01
